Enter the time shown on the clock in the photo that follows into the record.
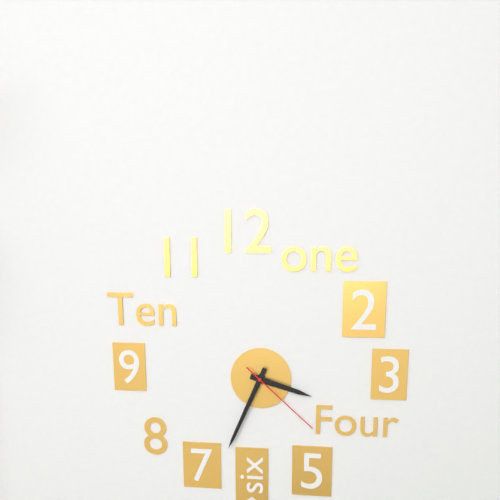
3:34:22
